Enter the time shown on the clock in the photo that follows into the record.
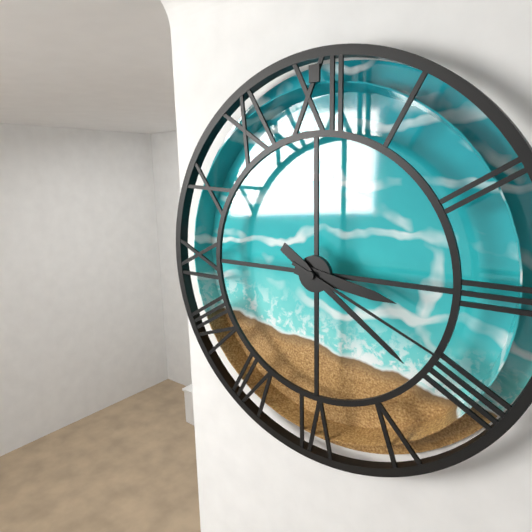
3:21:19
